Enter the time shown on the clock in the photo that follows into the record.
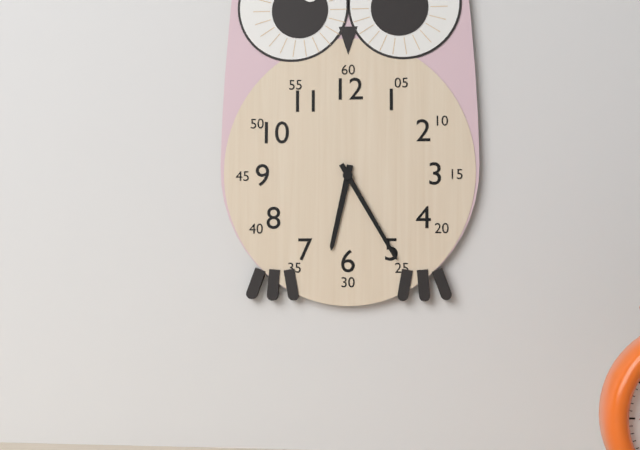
6:25
